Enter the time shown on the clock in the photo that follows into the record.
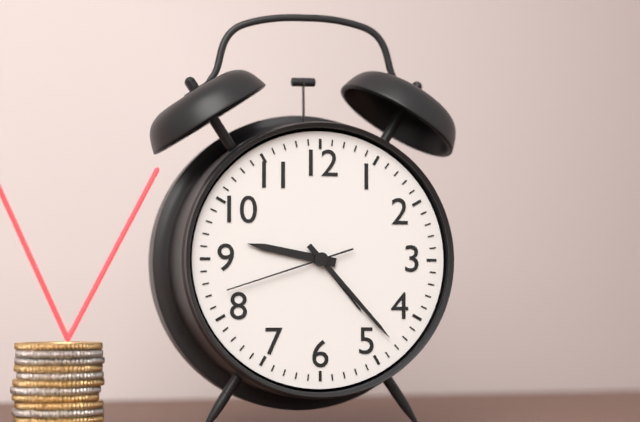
9:23:42
